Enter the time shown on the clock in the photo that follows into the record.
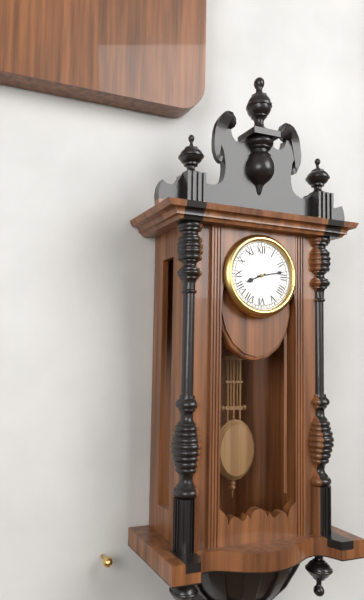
8:13
